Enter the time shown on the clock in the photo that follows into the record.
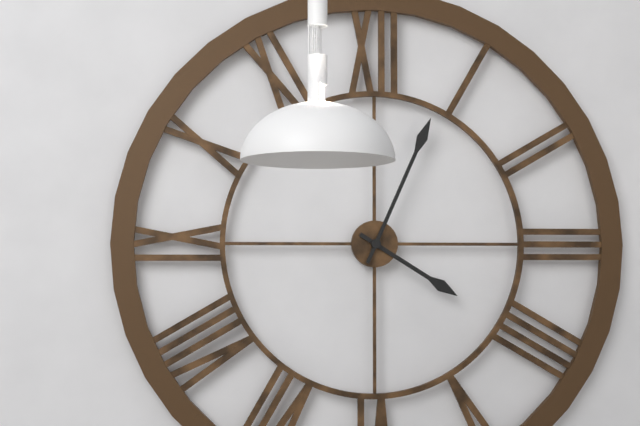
4:04
